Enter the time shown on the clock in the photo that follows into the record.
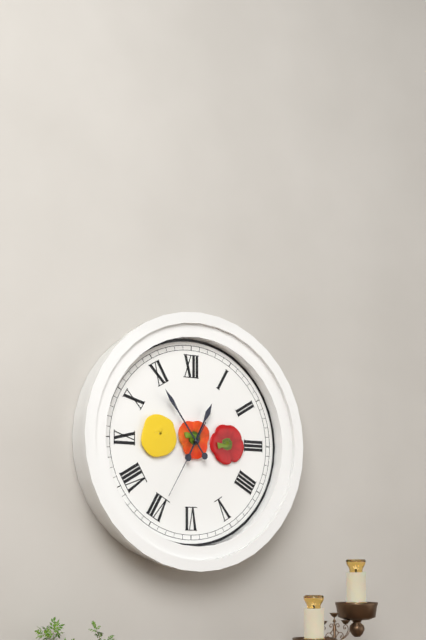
12:54:35
